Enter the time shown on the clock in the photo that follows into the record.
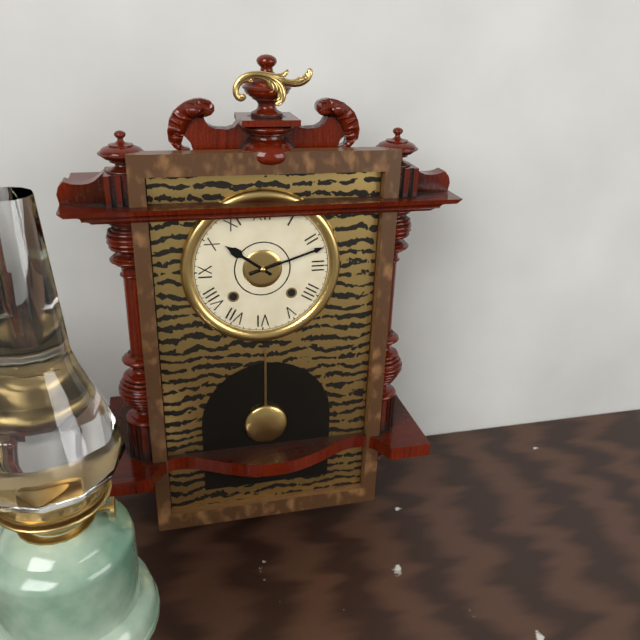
10:12
